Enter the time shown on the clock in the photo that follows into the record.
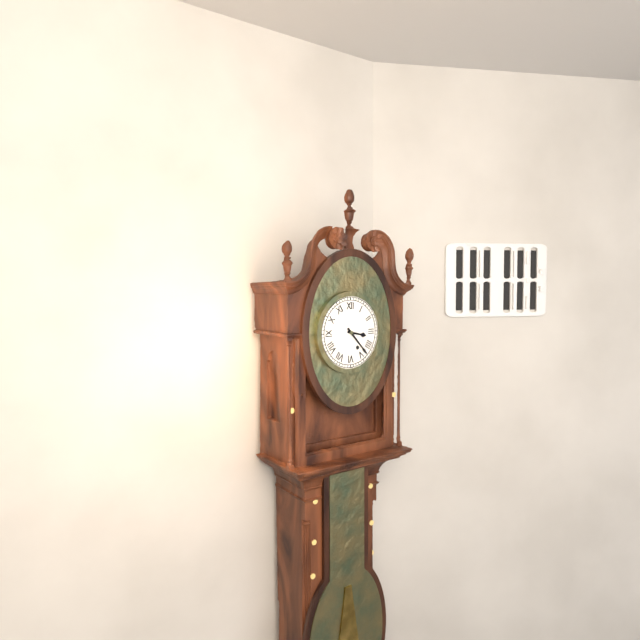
3:23
